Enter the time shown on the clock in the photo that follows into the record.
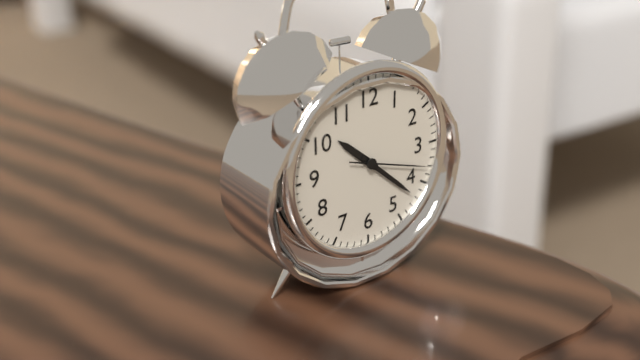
10:22:18
